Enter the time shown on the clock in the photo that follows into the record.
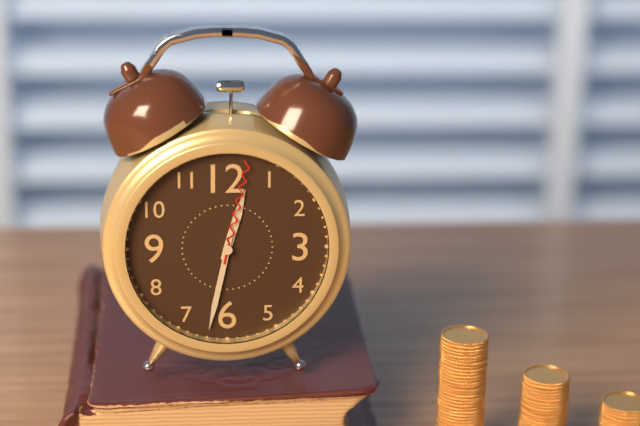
12:32:02
